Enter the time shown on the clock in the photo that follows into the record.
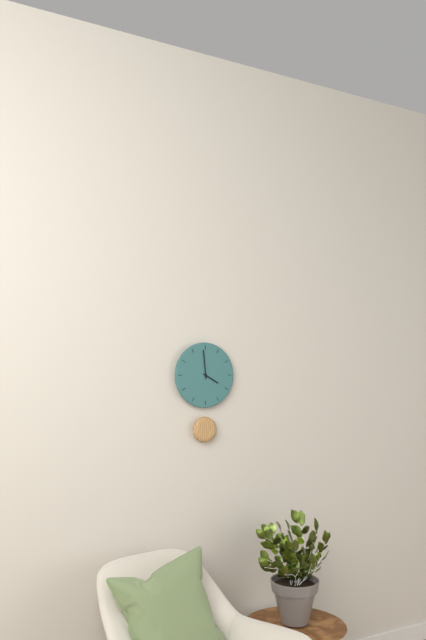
3:59
